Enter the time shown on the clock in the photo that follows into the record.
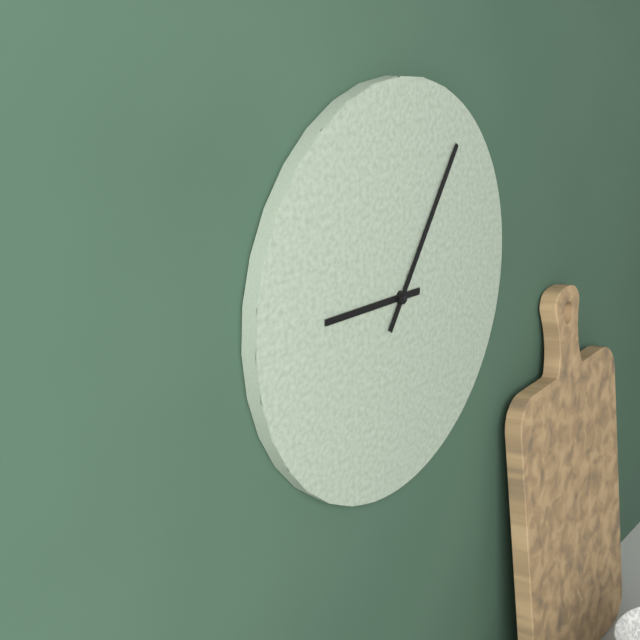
9:06
